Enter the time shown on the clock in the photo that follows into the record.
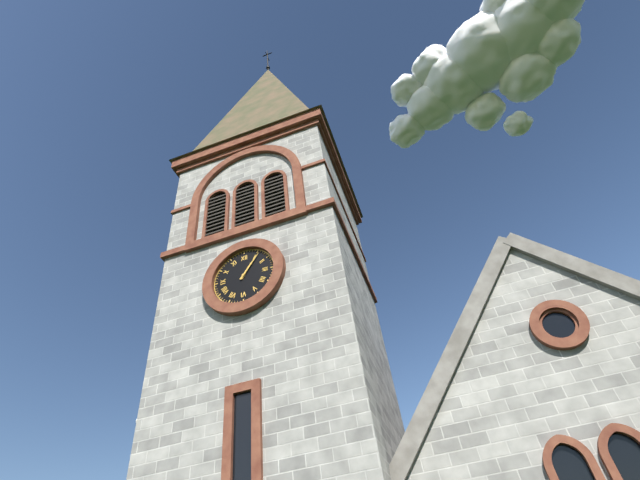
1:06
